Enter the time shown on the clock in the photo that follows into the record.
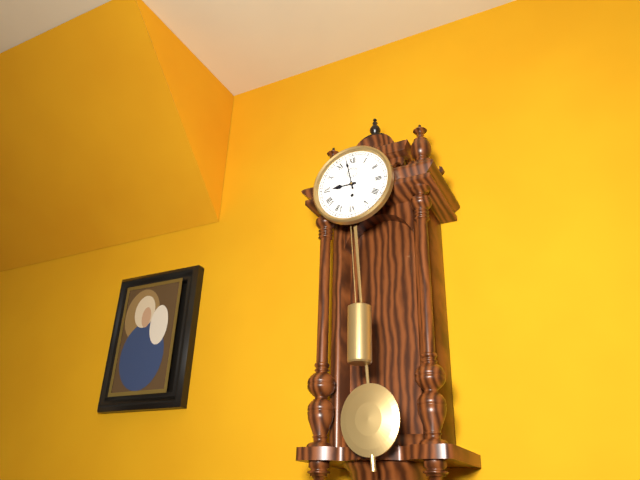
8:58
